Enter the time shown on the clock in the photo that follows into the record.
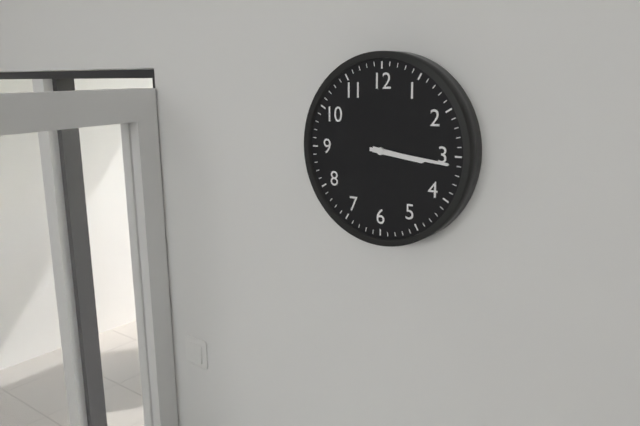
3:16
